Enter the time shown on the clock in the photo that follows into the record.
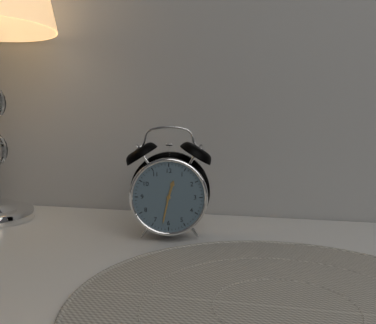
12:32
